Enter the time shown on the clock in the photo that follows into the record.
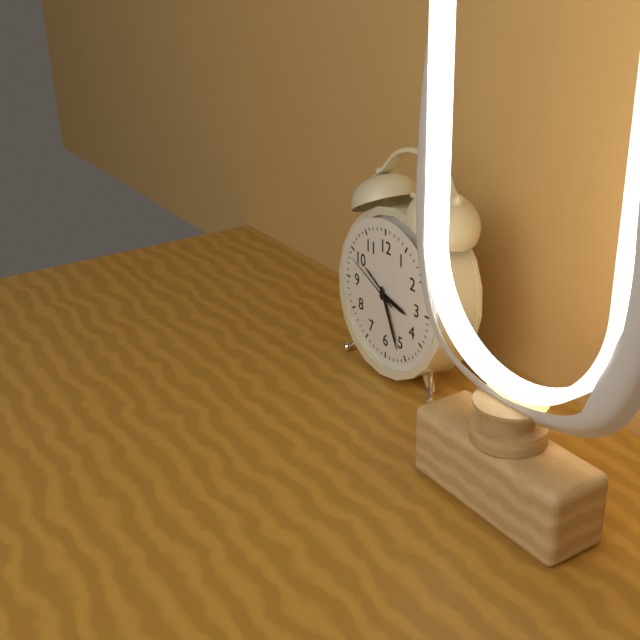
3:26:49
